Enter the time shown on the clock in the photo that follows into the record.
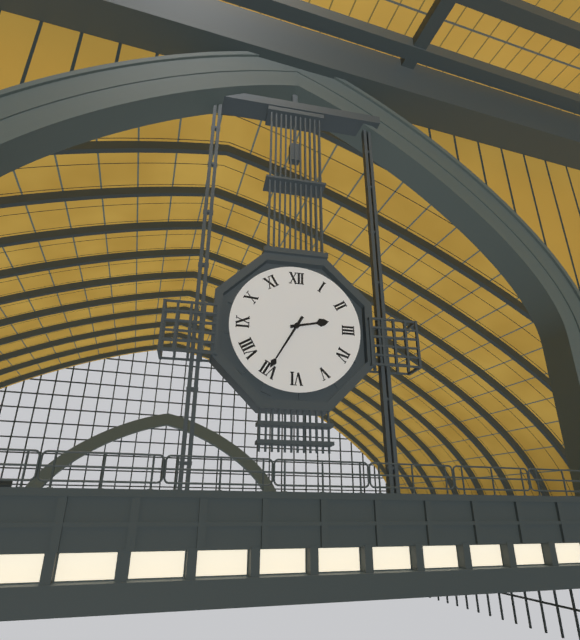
2:35
